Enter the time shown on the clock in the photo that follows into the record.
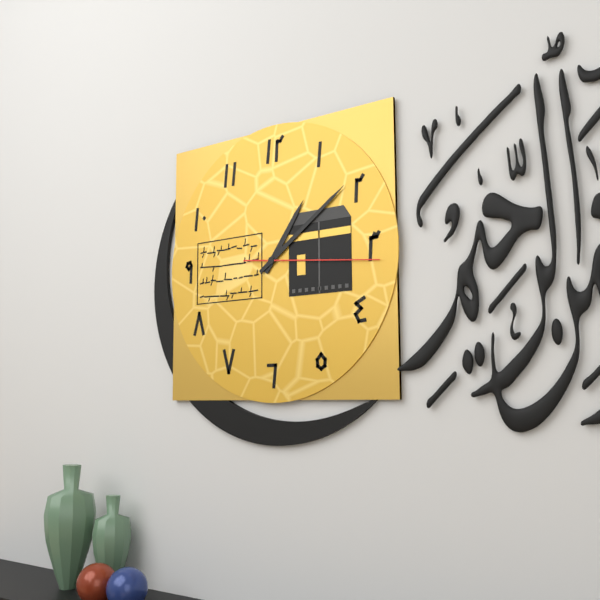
1:09:16
